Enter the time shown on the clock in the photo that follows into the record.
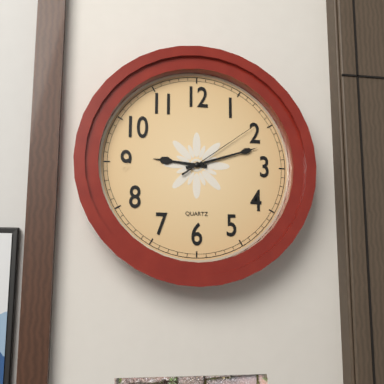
9:12:09
